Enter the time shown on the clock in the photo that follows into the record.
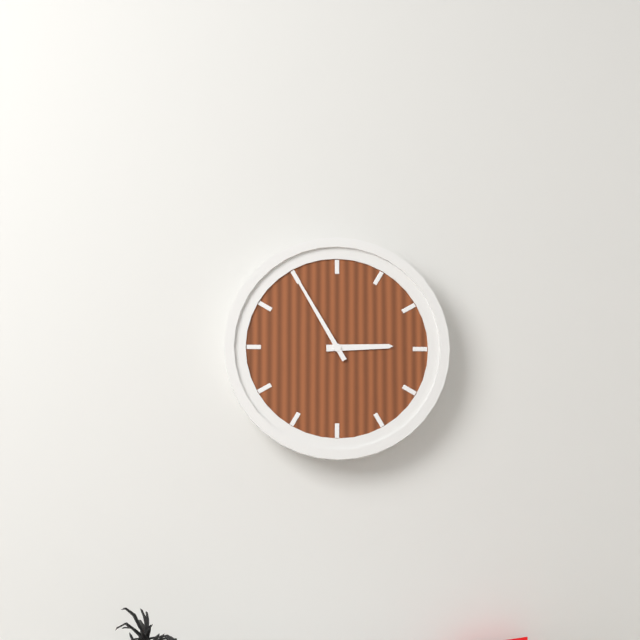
2:55
